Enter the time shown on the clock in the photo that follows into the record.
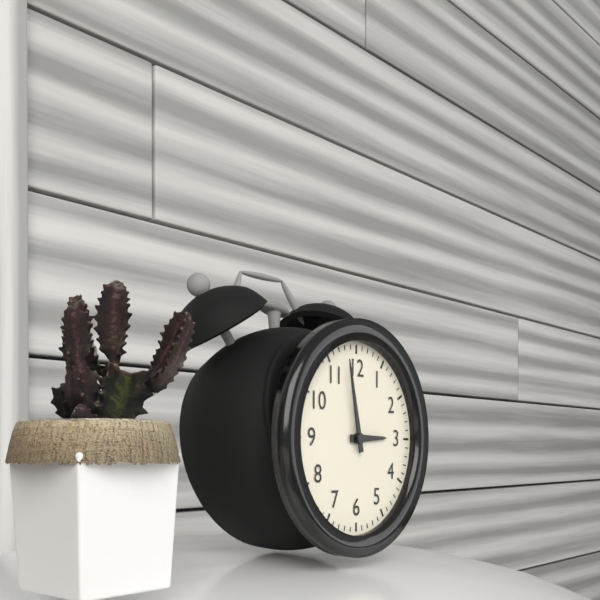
2:58
